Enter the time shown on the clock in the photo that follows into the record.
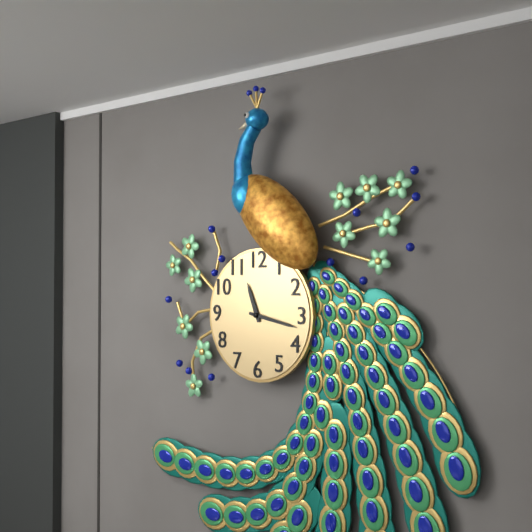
11:17
